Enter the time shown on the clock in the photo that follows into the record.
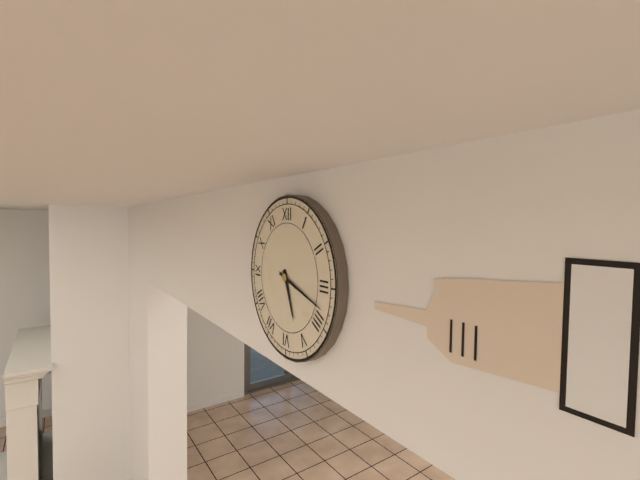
5:18
